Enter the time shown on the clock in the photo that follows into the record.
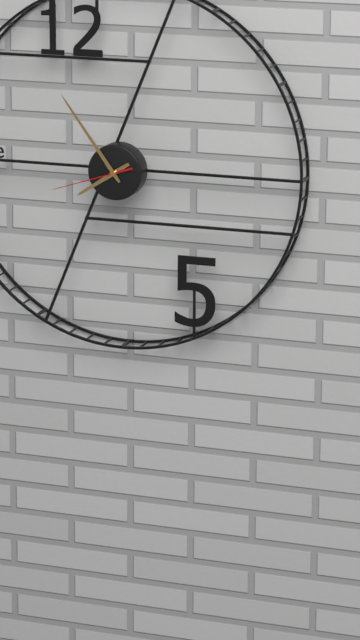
7:54:42
